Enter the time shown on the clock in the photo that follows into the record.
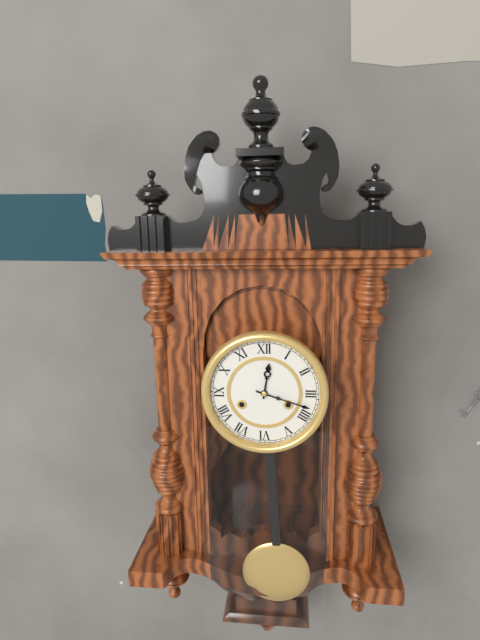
12:18
